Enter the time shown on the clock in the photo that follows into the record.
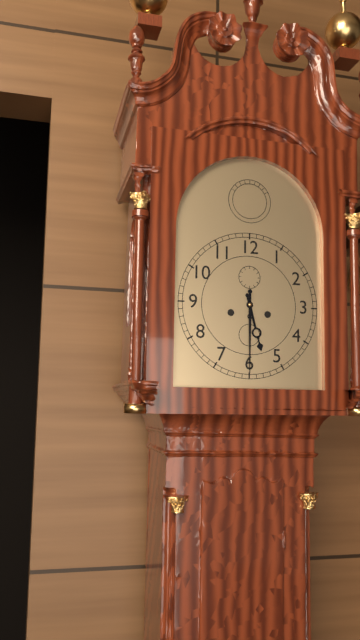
5:30
